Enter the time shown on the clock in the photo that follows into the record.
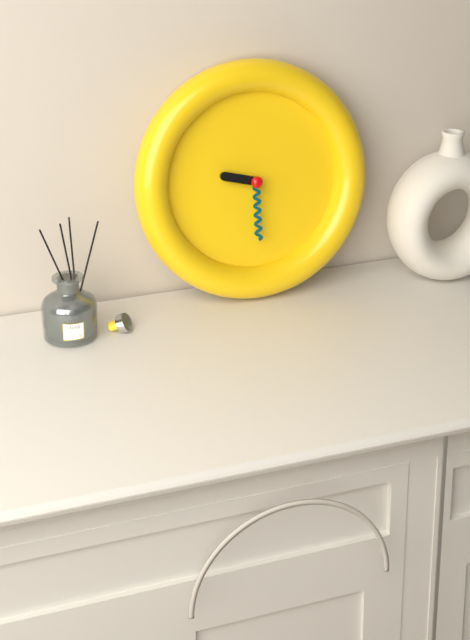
9:30
